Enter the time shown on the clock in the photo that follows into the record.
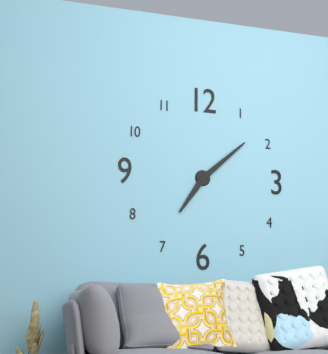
7:08
